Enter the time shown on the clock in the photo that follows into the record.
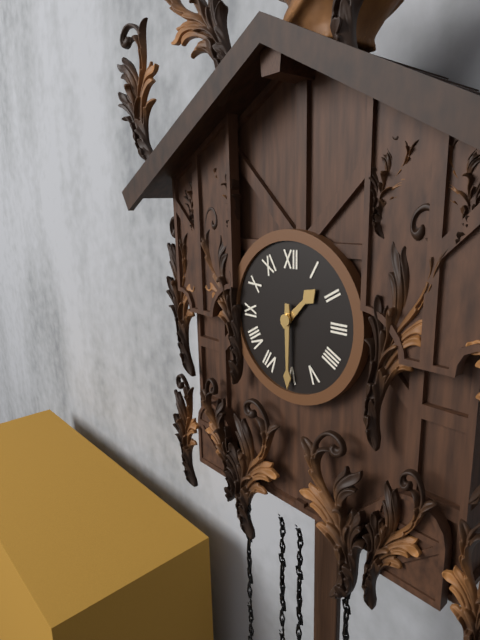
1:30
